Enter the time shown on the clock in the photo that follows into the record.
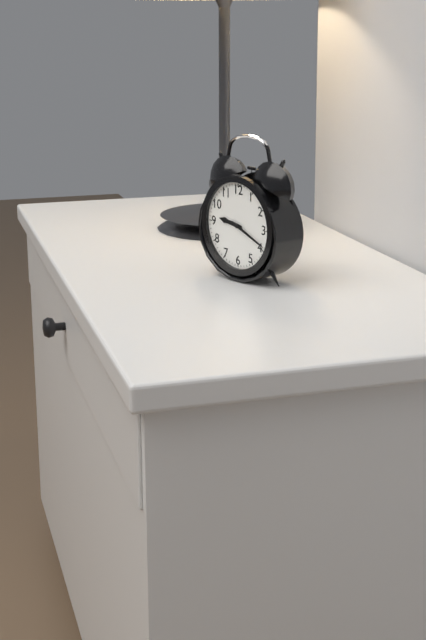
9:19
